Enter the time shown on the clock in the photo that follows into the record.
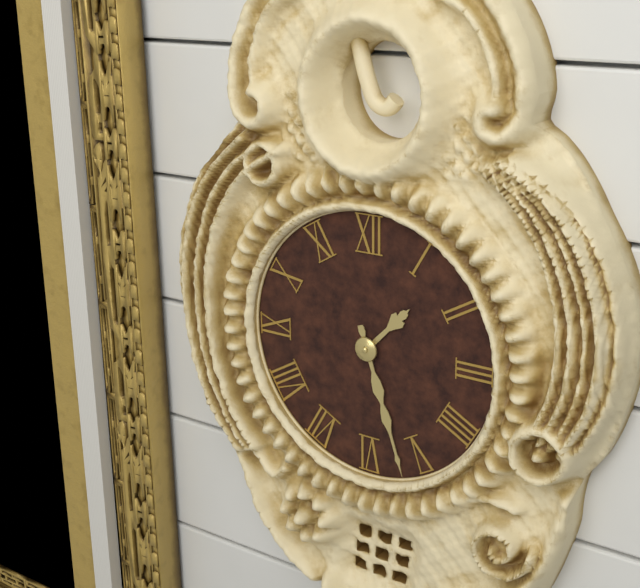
1:27
